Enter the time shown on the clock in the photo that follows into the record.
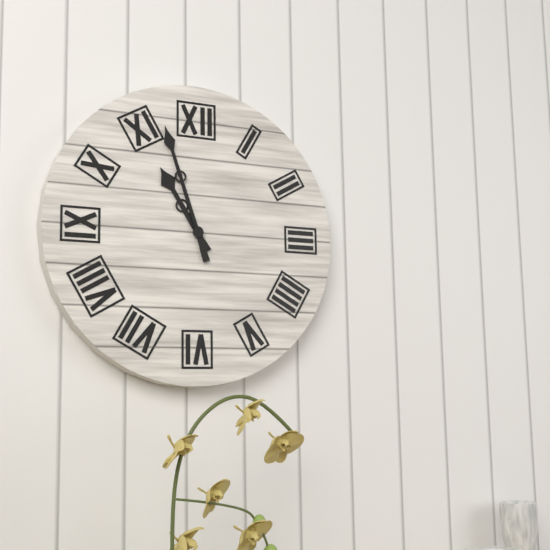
10:57
